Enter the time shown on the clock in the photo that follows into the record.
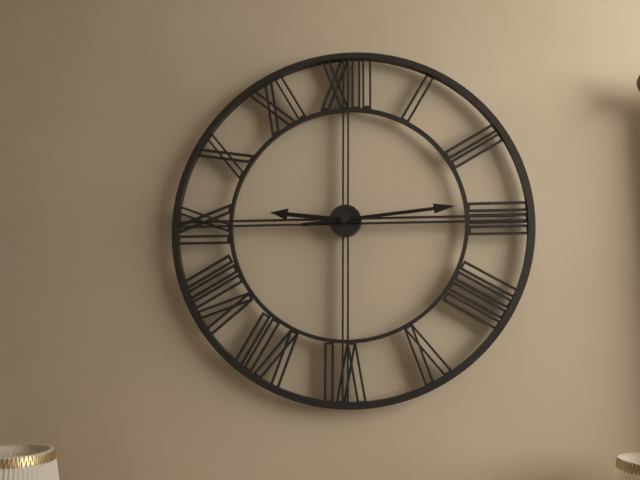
9:14
